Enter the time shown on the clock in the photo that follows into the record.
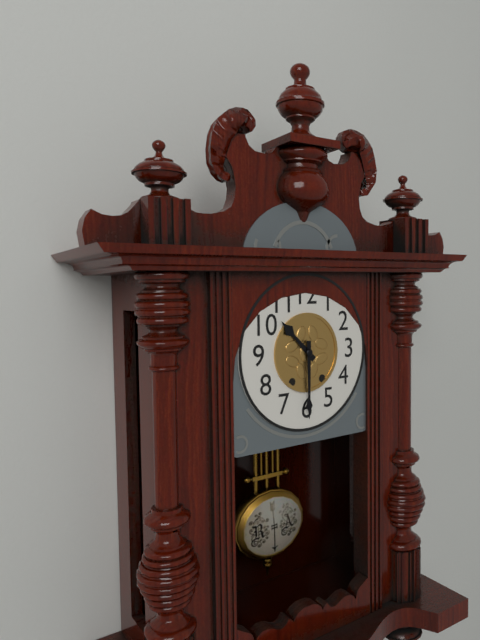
10:30
